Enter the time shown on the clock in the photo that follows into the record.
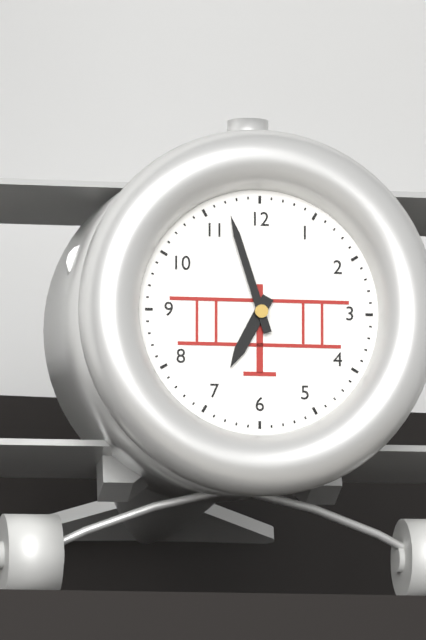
6:57
